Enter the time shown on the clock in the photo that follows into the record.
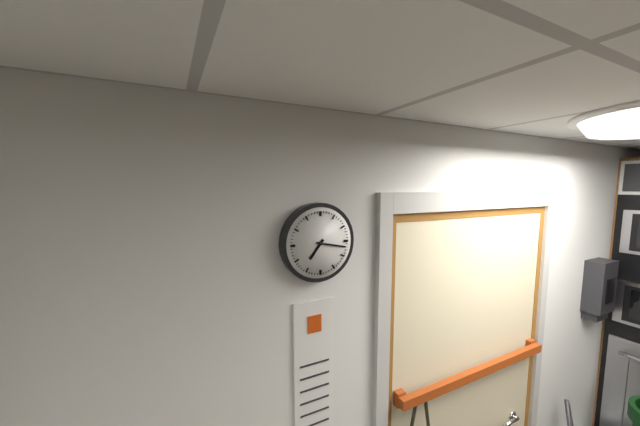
7:17
